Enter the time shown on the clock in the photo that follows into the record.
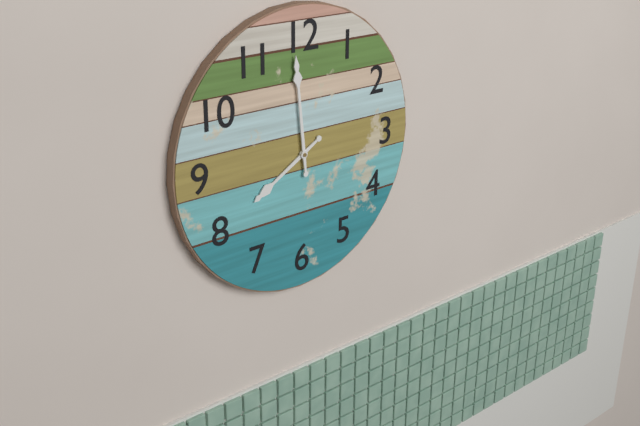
7:59
